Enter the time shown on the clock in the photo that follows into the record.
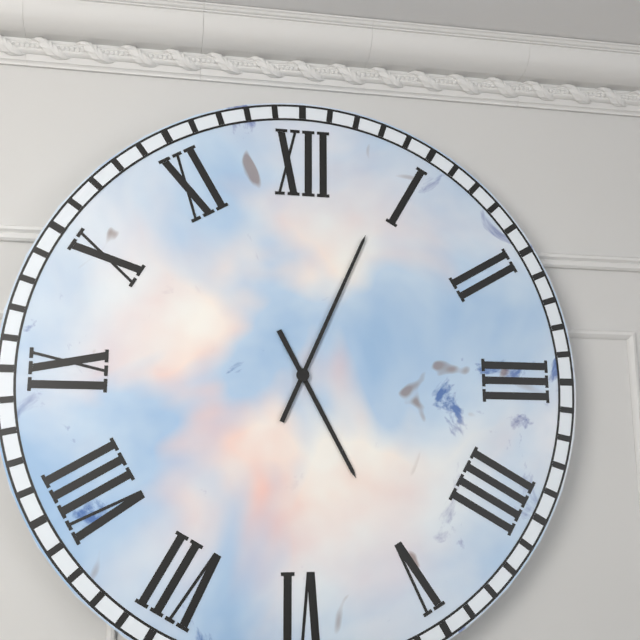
5:04
